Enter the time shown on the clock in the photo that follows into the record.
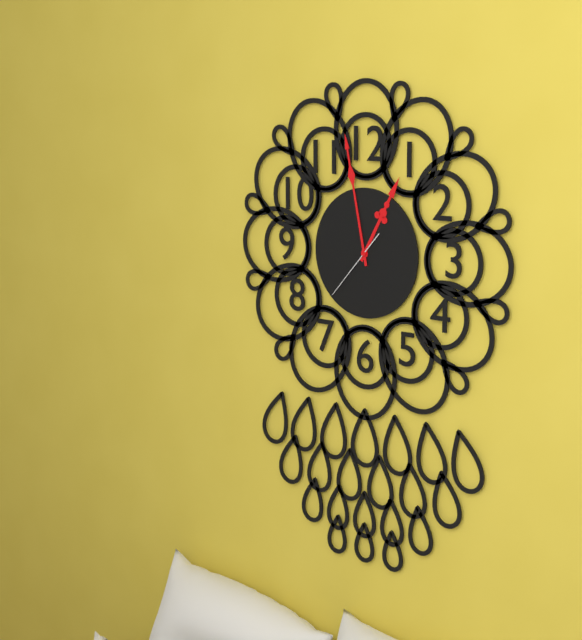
12:58:37
